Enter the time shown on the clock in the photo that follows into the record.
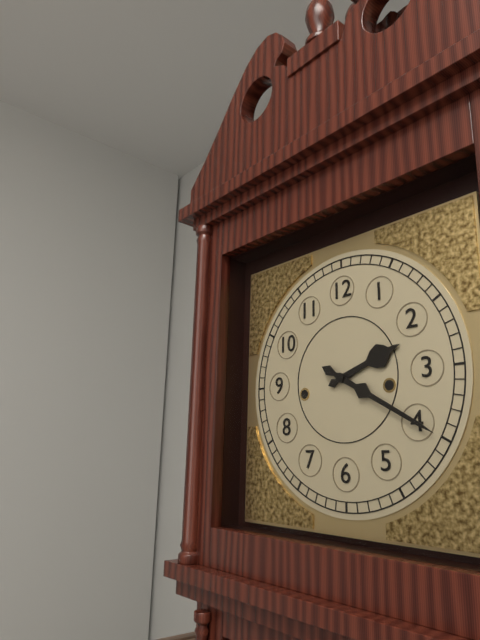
2:20
